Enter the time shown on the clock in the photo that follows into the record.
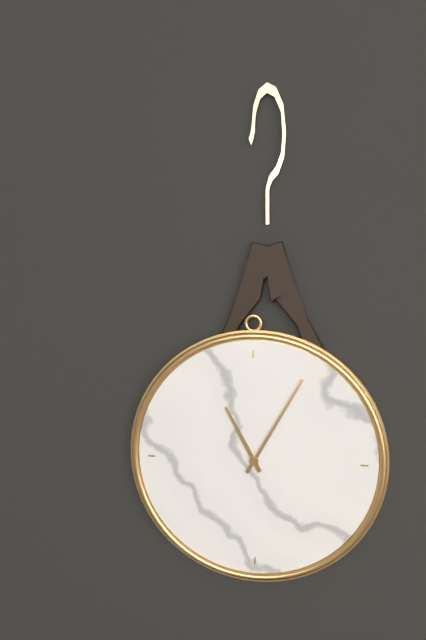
11:05
